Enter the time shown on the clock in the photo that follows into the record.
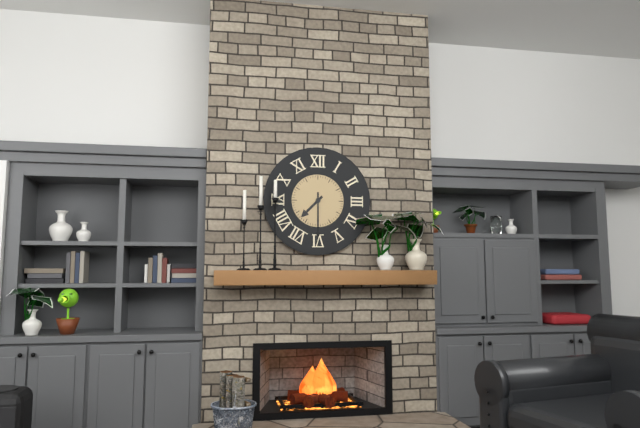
7:30
